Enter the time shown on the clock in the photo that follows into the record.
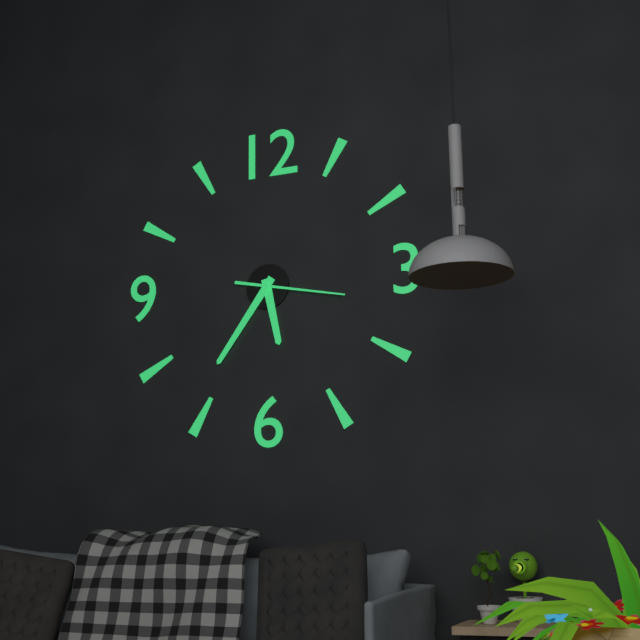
5:36:17
